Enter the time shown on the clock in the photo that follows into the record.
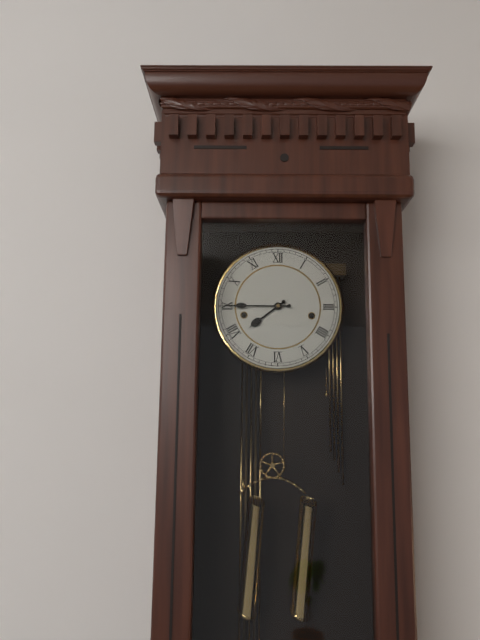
7:45
